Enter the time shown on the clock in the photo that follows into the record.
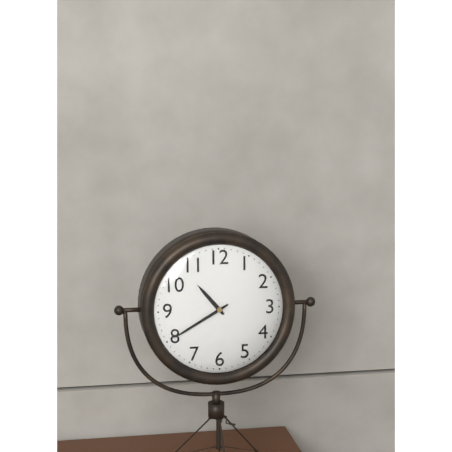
10:40
